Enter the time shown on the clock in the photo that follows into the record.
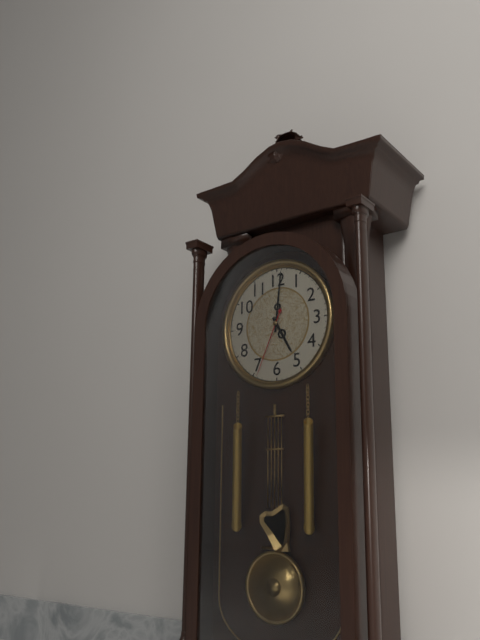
5:01:34
